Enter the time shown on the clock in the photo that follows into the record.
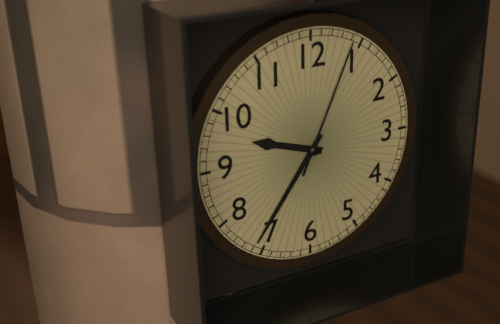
9:36:04
